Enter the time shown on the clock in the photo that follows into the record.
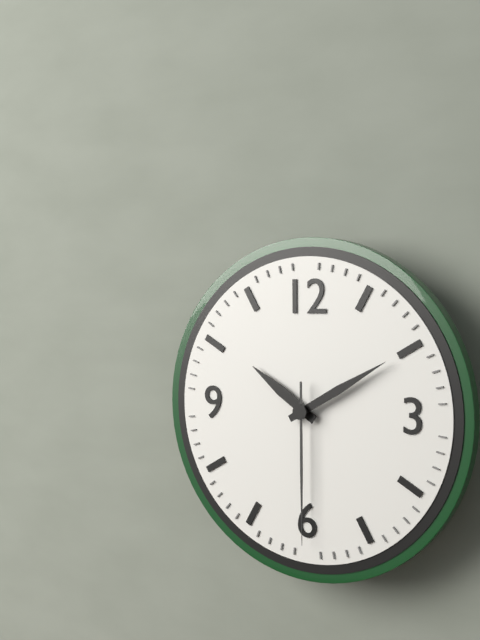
10:10:30
